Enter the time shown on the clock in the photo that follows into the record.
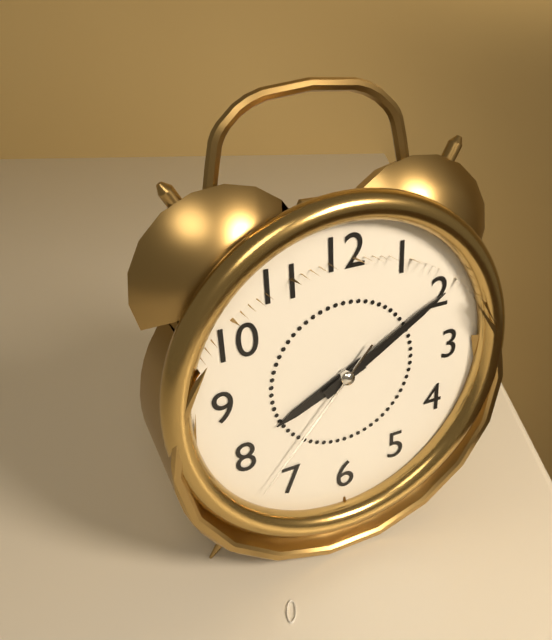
8:10:37
